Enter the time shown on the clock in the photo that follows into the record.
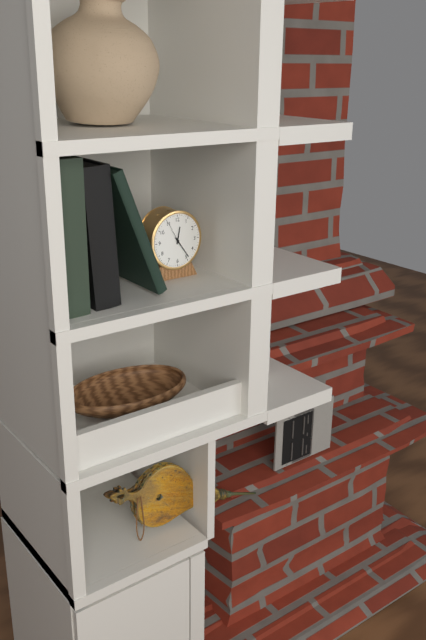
12:24
